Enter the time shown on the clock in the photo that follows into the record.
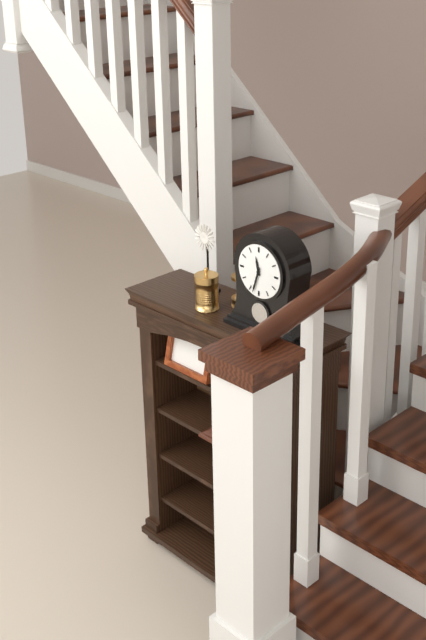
11:33
